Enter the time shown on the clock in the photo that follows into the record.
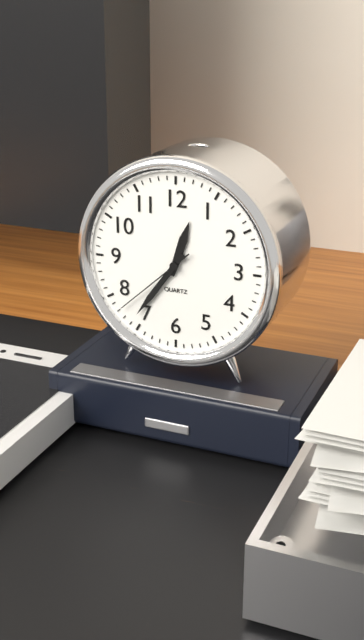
12:36:38
